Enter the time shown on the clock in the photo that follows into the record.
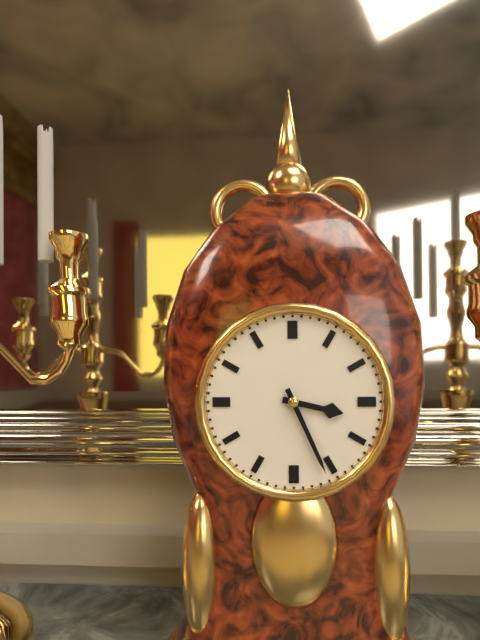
3:26
